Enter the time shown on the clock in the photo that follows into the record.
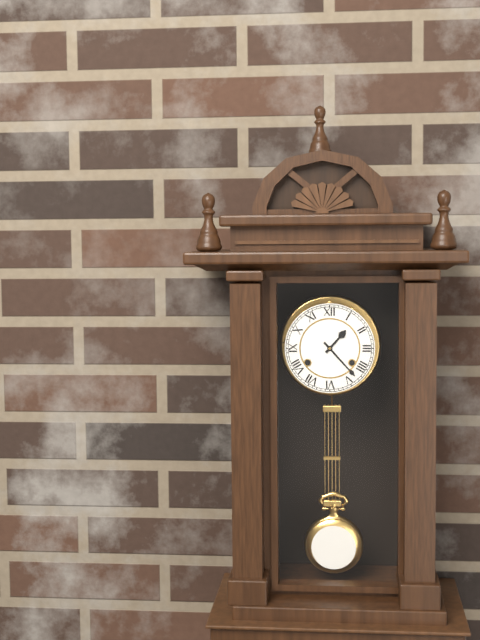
1:23
